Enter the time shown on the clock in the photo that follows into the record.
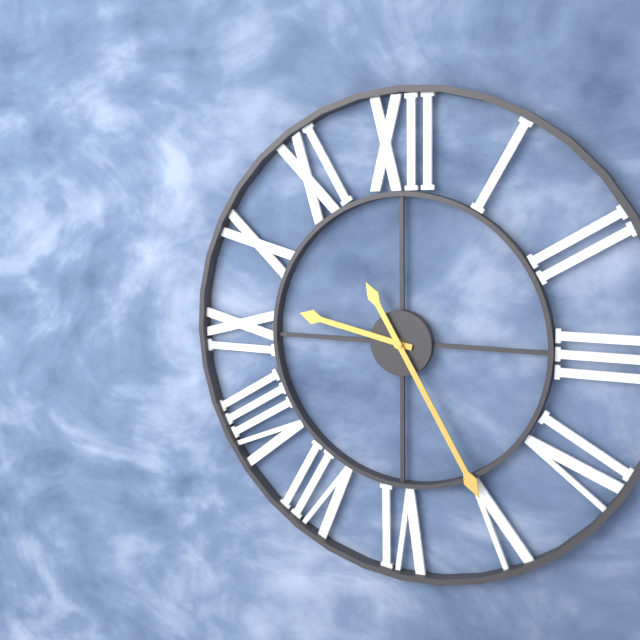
9:25
